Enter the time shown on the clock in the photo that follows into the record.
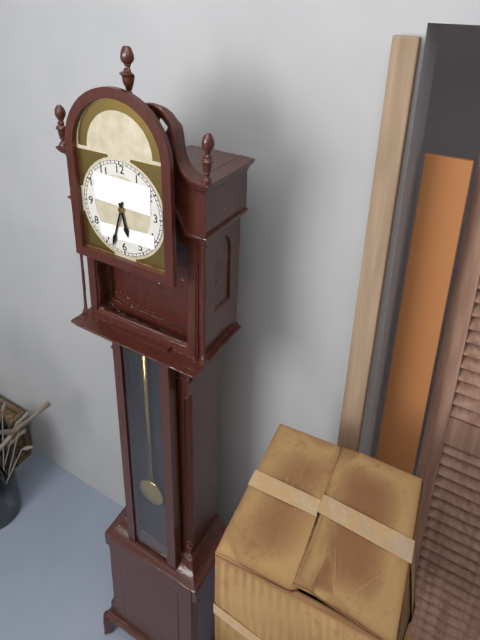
5:33
